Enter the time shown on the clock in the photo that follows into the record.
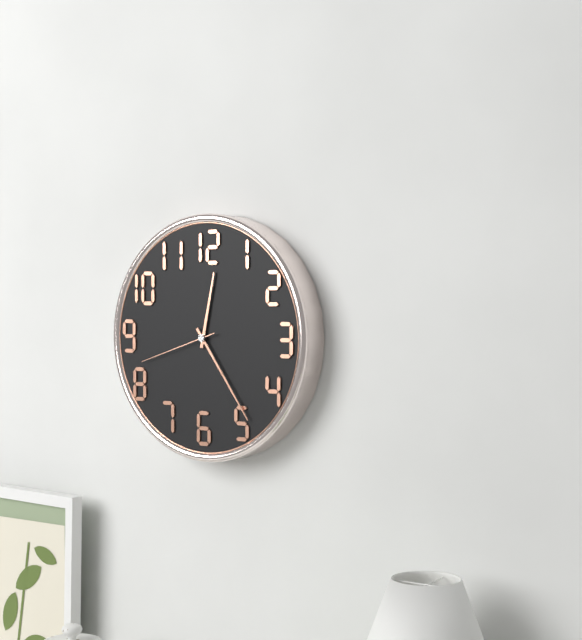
12:24:42
